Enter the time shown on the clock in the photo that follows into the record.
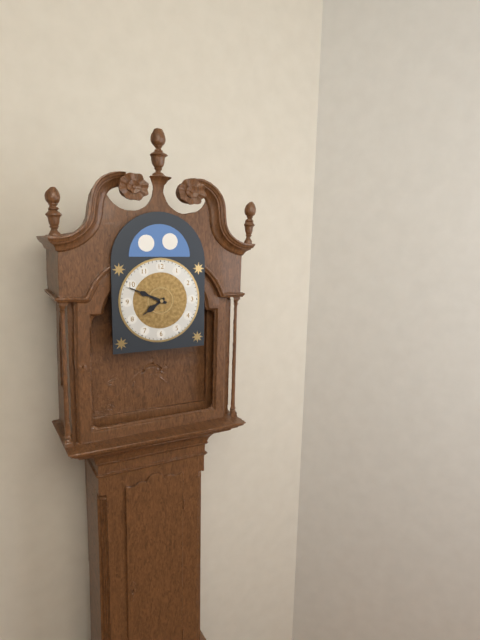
7:49
